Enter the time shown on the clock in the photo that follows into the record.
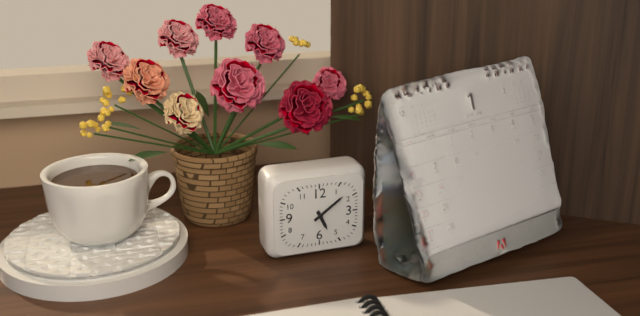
5:09
